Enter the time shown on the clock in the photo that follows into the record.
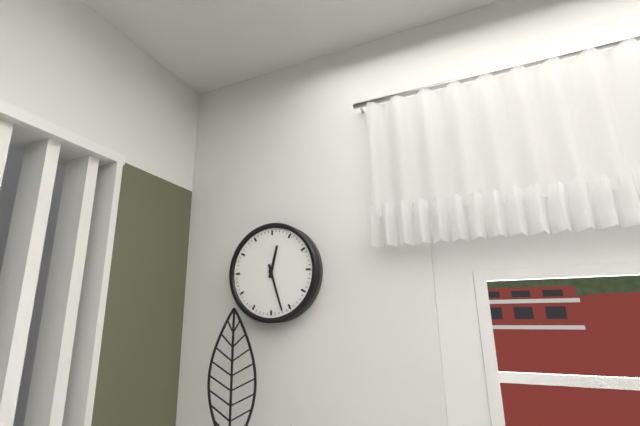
12:27
